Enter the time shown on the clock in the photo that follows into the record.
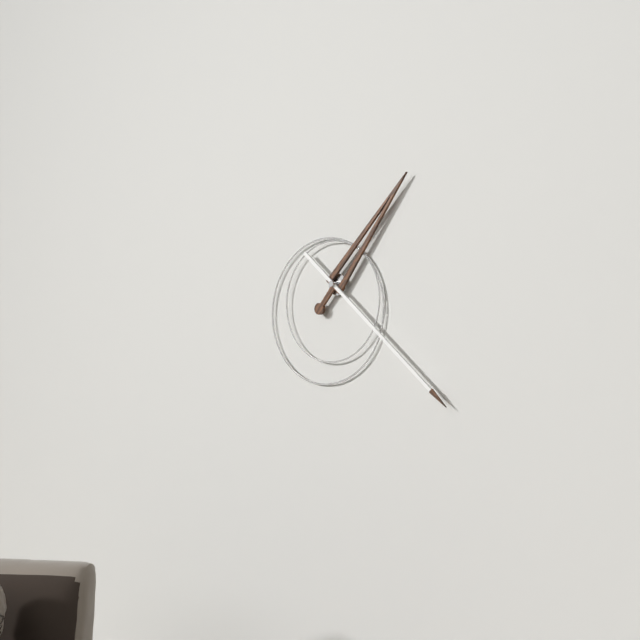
1:22
